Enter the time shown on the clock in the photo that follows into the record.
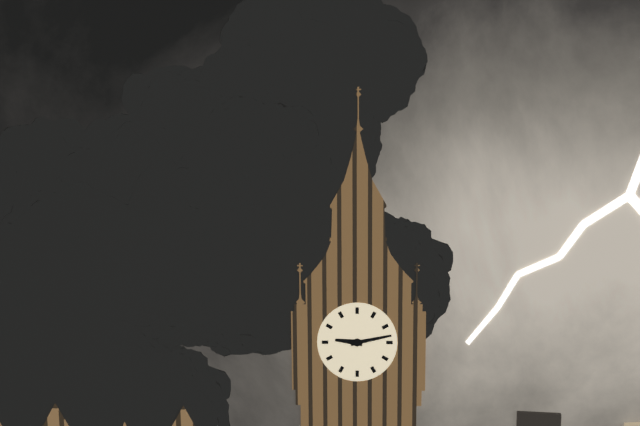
9:13
